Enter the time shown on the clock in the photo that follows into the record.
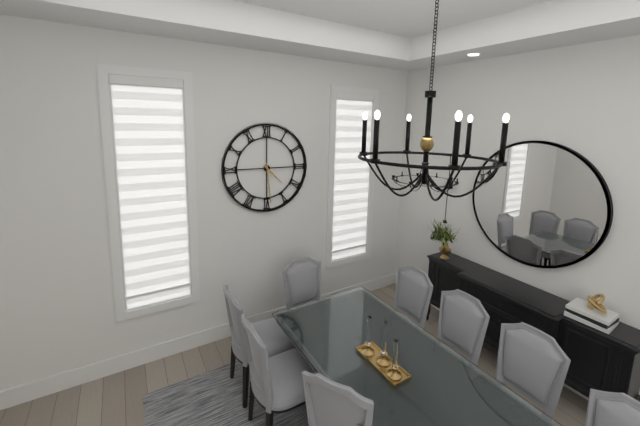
4:29
